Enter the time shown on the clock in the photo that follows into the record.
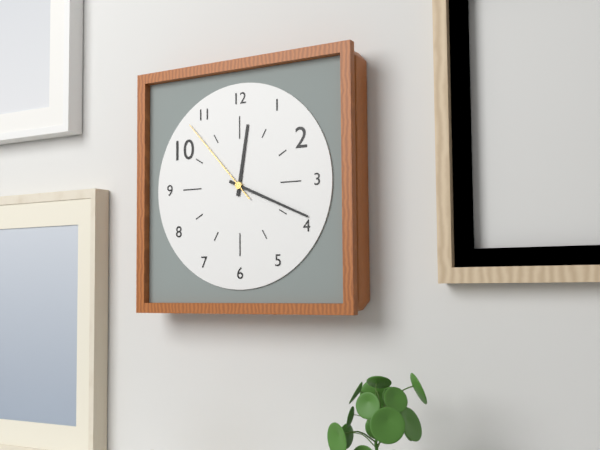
12:19:53
